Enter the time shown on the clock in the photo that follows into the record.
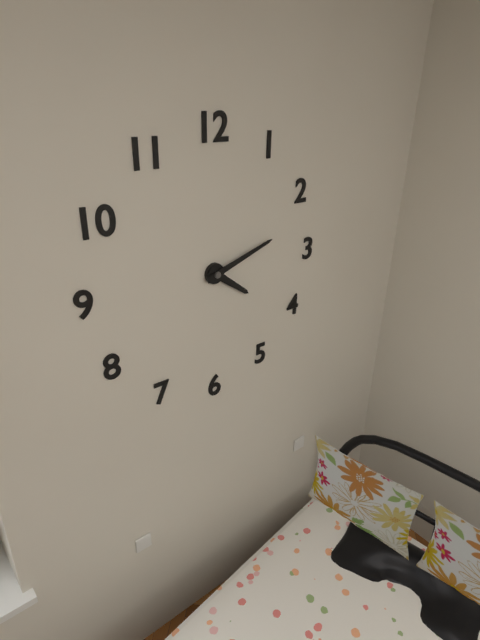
4:12
